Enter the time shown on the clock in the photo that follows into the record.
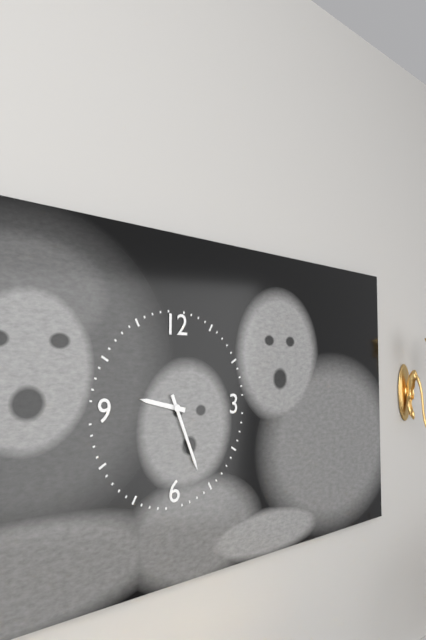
9:26
